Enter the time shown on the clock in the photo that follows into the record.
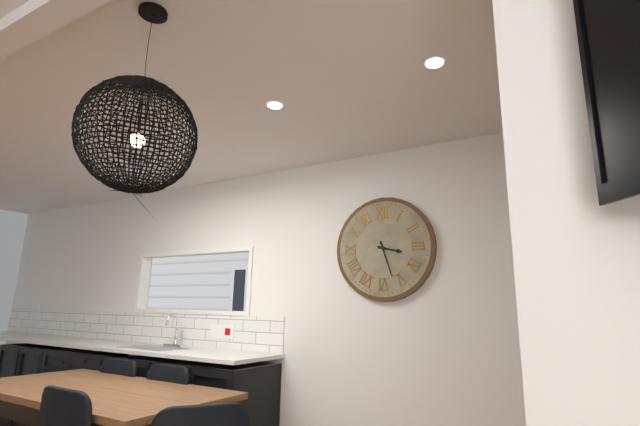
3:27
